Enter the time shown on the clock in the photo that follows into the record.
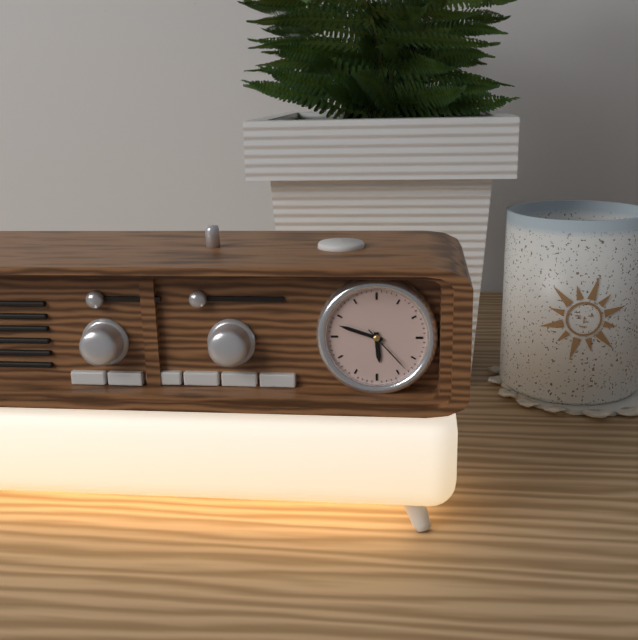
5:48:23
